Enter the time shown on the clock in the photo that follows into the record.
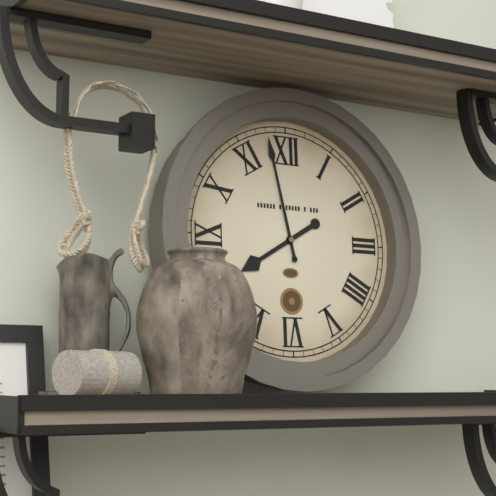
7:58
